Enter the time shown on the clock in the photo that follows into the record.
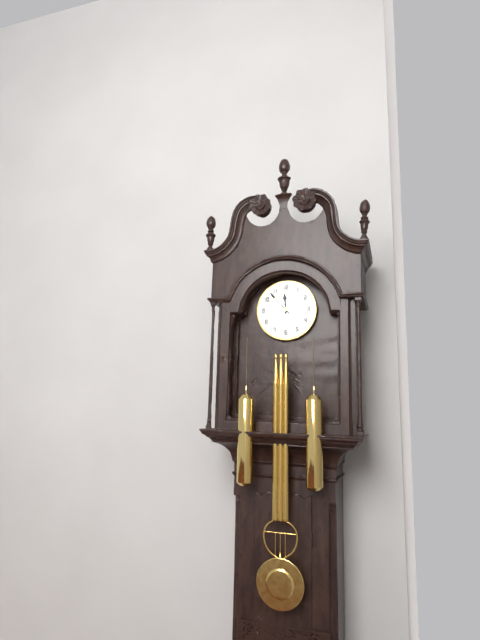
11:53
